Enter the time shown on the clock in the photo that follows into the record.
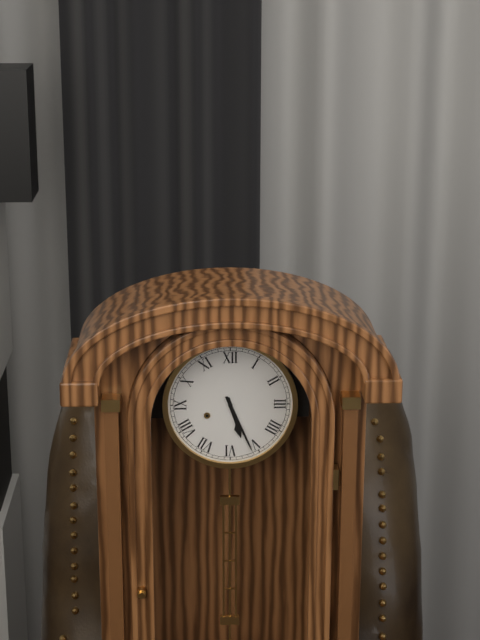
5:26
